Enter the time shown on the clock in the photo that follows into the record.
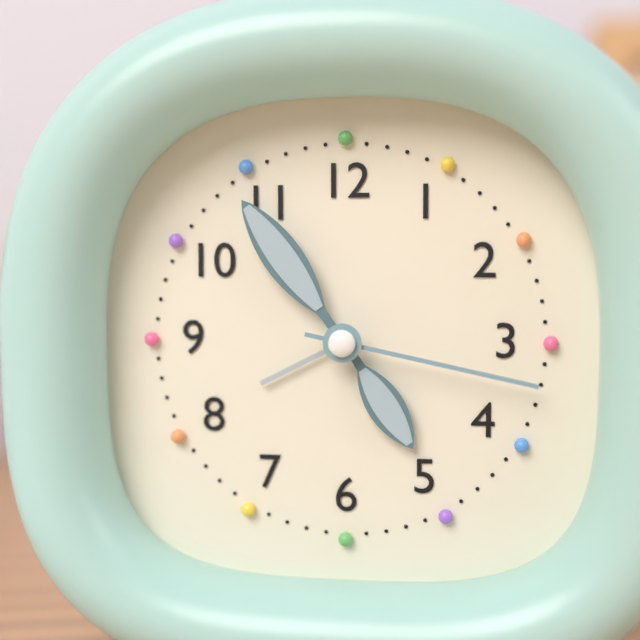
4:54:17
